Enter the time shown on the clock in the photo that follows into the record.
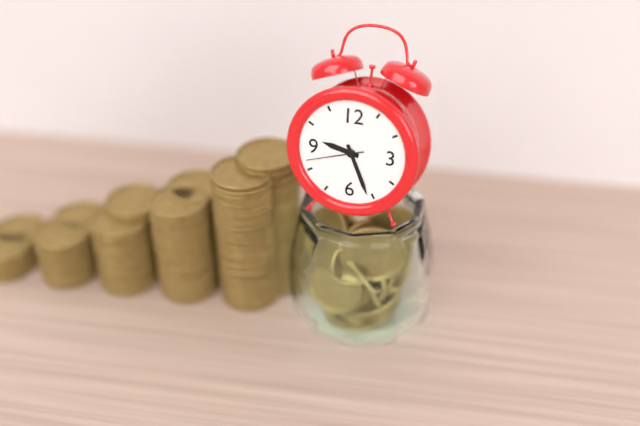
9:26:42
